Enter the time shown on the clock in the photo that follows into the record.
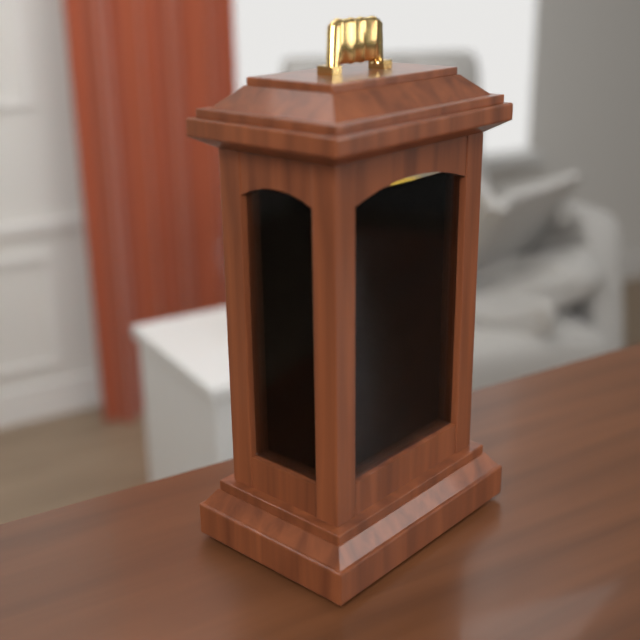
11:20
